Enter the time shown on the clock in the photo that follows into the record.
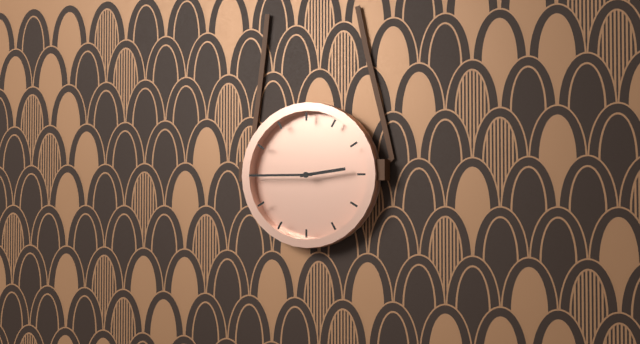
2:45
